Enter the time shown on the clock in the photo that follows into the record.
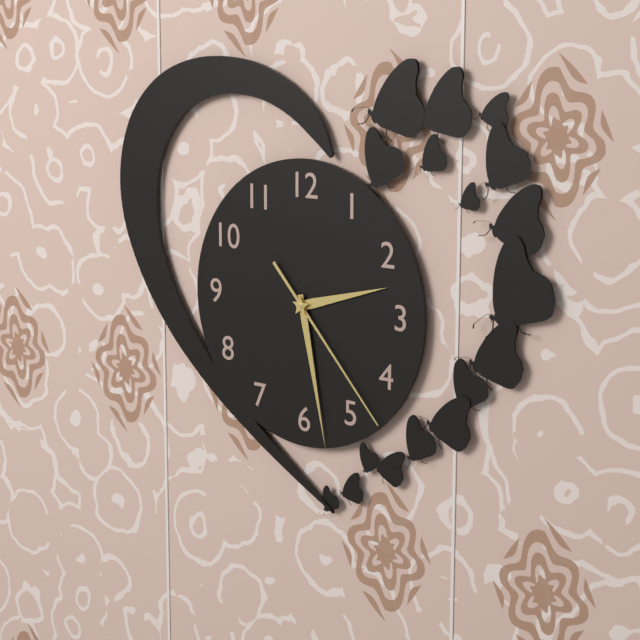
2:28:23
